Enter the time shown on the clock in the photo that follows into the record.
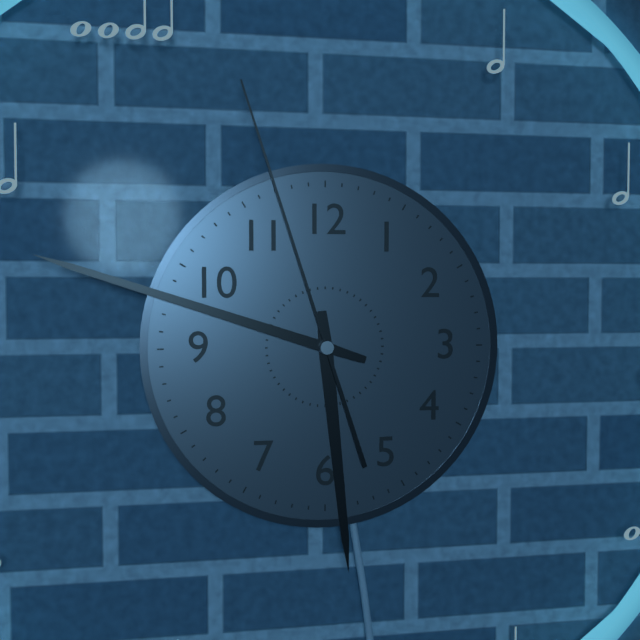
5:48:57
